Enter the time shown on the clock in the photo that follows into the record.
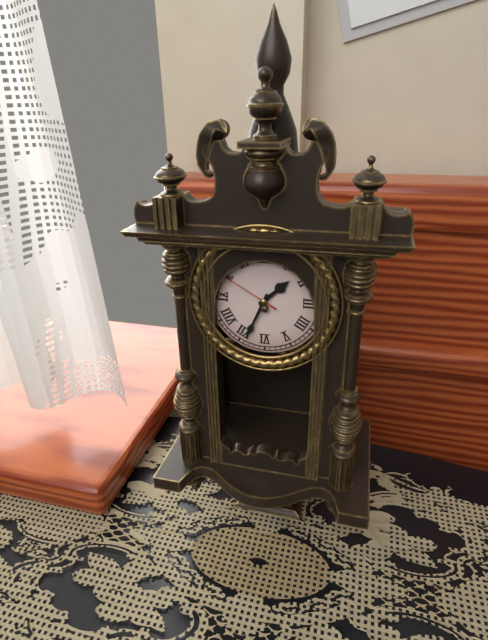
1:34:50
